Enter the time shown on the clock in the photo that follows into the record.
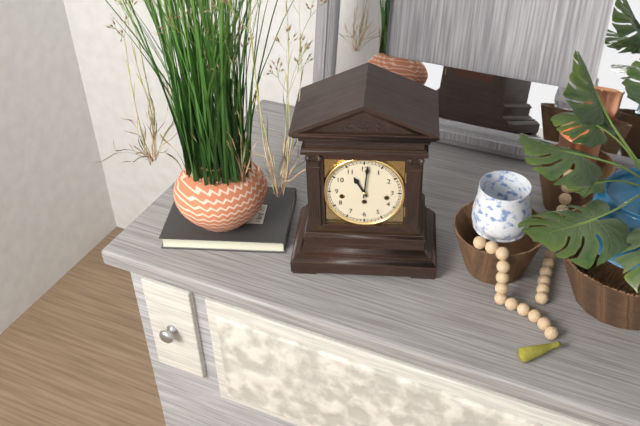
11:01
